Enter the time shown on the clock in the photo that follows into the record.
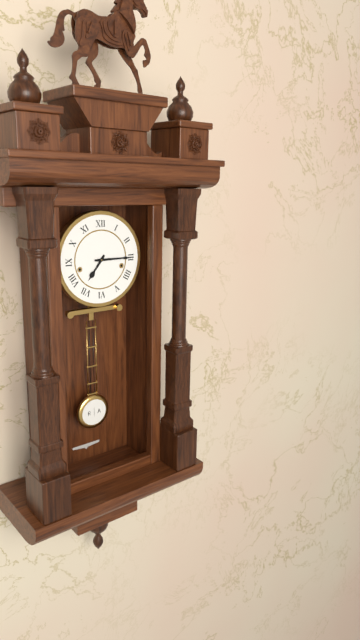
7:15
